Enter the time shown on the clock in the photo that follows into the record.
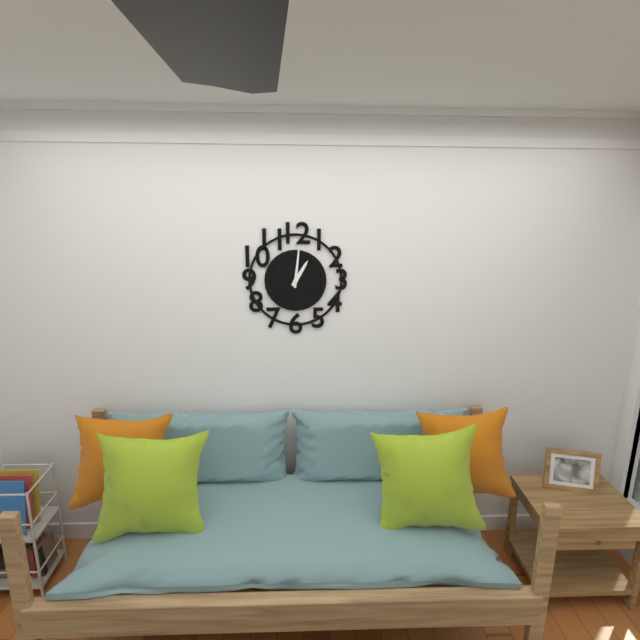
1:01
